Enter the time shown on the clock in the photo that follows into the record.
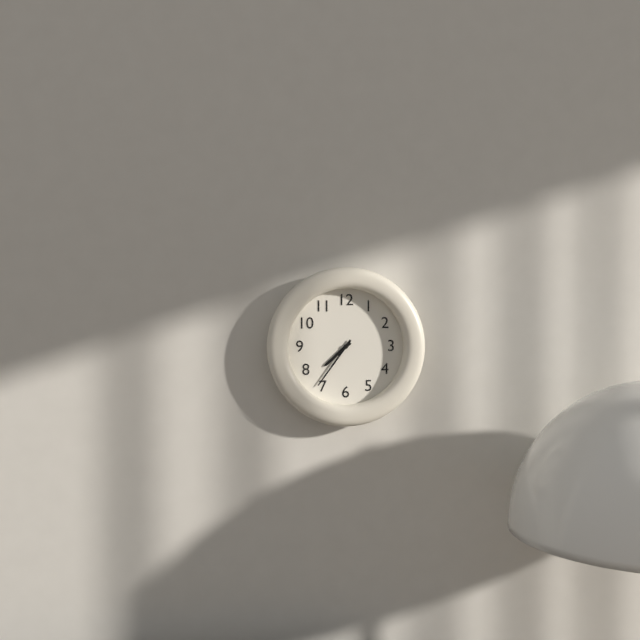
7:36
